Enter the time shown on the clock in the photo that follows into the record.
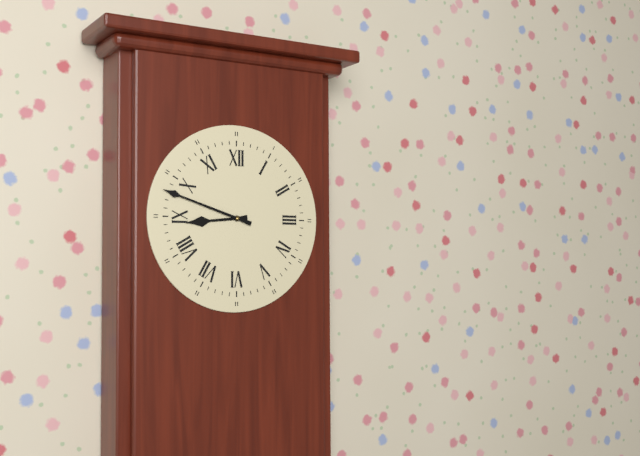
8:48
